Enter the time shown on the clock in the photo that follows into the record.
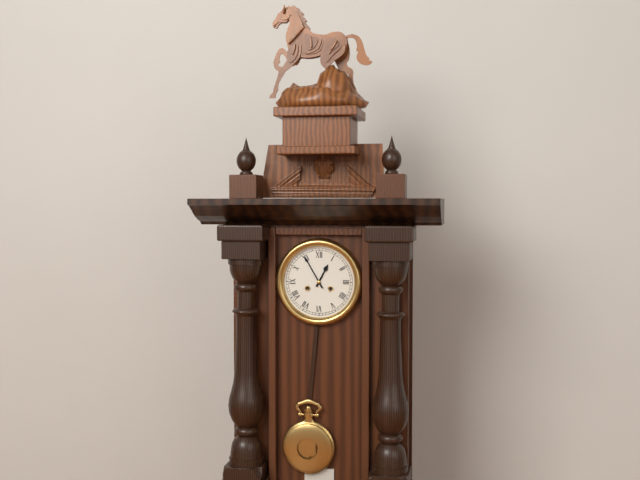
12:55
